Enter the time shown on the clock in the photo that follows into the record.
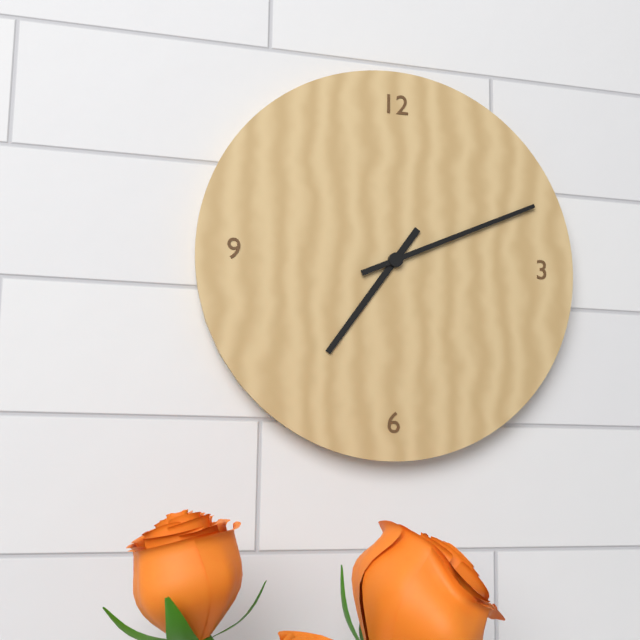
7:11
